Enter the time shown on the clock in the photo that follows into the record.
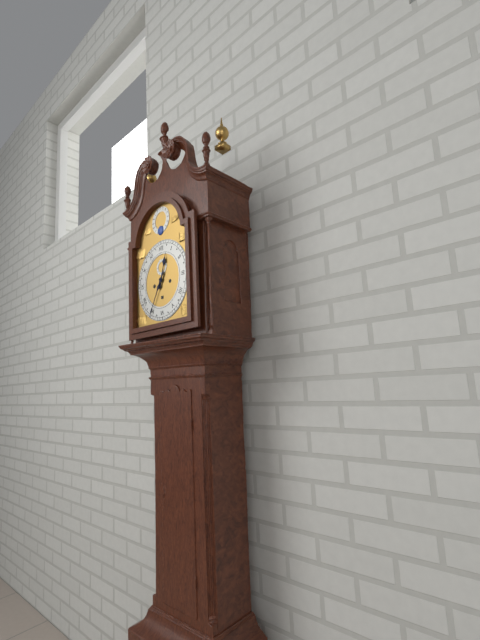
12:35
